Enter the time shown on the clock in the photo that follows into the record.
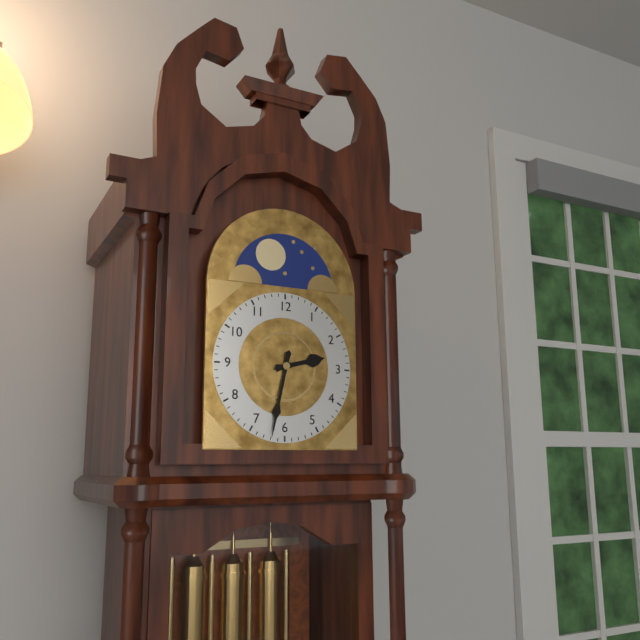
2:32
